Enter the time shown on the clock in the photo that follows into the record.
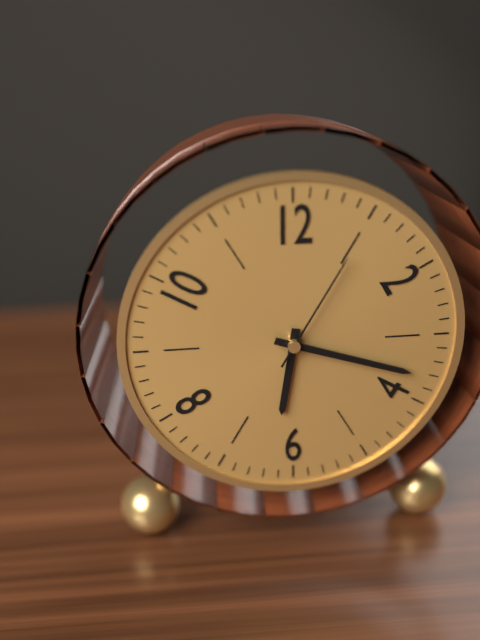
6:18:05
